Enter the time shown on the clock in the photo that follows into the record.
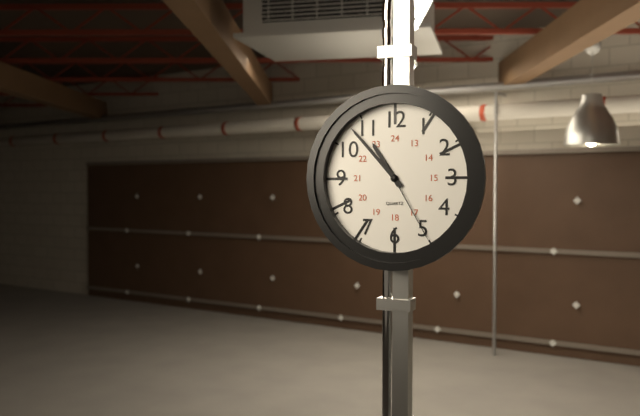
10:53:25
